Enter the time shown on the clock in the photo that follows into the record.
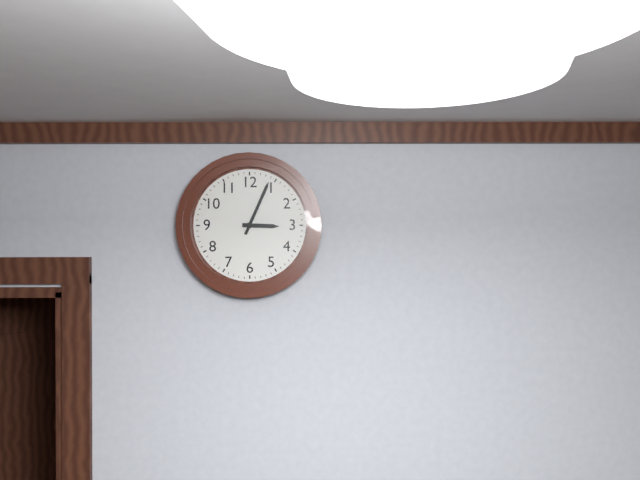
3:04
